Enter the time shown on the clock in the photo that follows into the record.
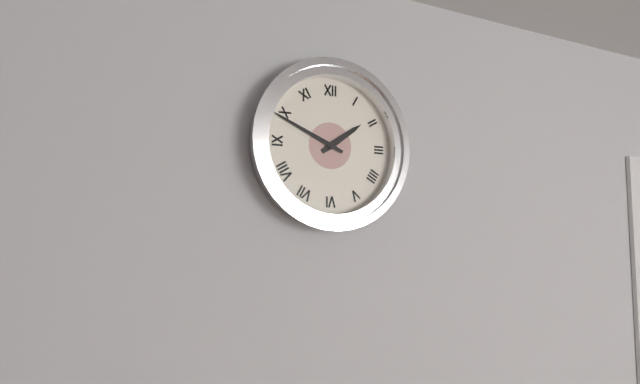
1:49
